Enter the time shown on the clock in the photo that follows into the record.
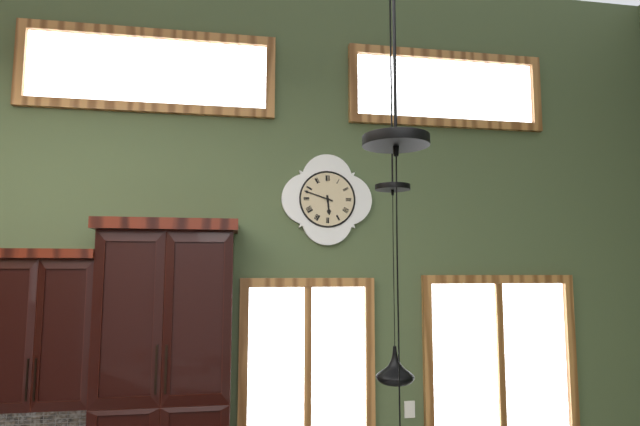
5:48
